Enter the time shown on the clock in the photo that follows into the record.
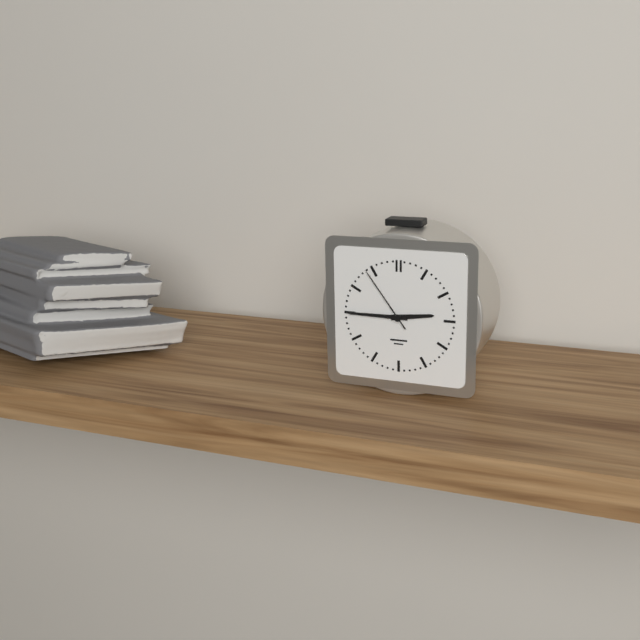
2:45:54
